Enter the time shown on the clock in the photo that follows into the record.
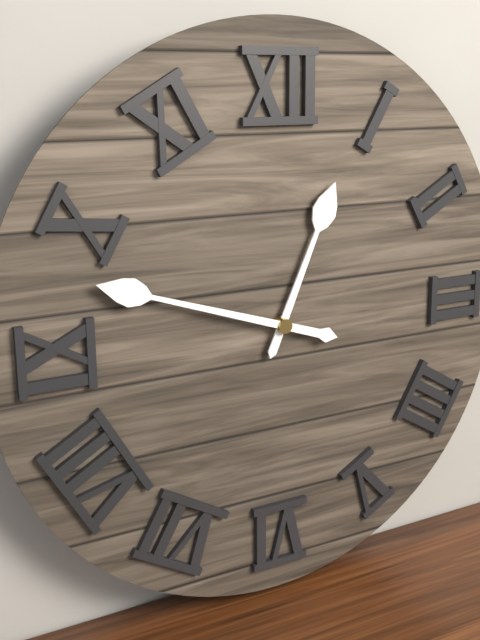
12:48
